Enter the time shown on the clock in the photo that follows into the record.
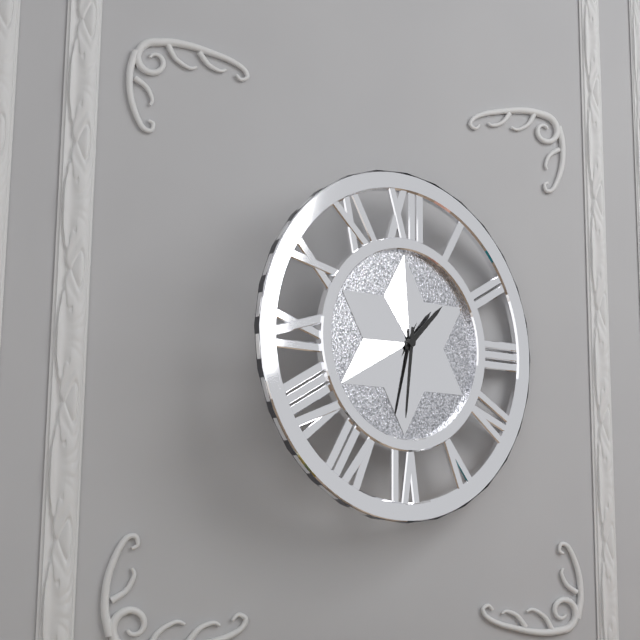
1:31
